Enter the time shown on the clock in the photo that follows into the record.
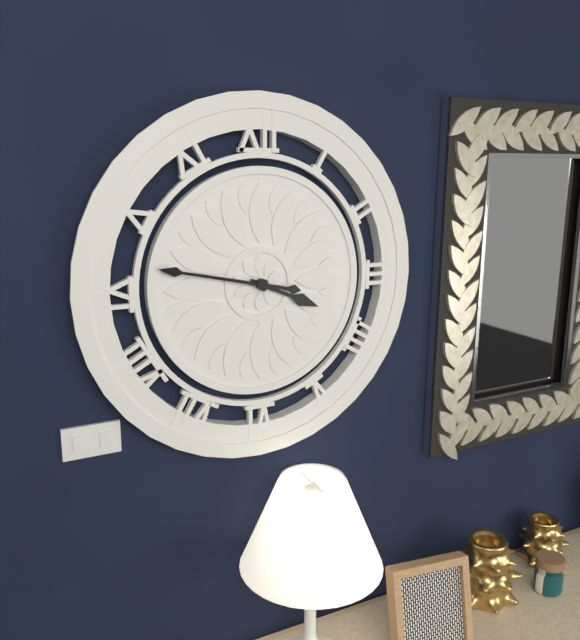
3:47
